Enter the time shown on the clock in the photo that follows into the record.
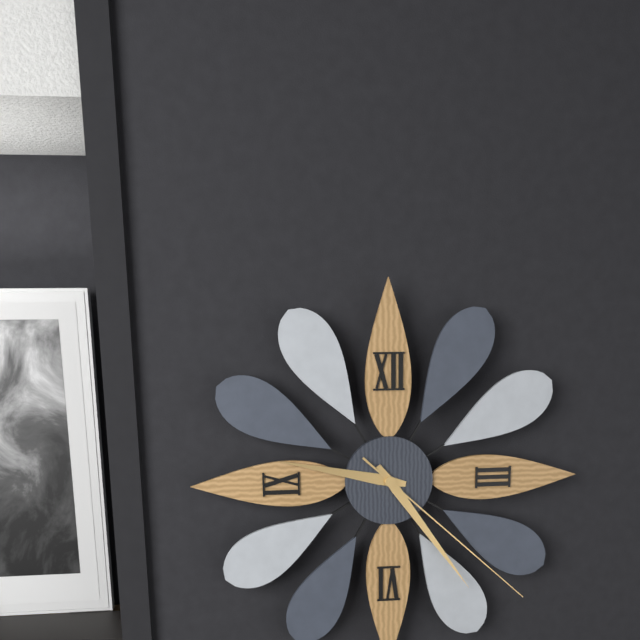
9:24:22
